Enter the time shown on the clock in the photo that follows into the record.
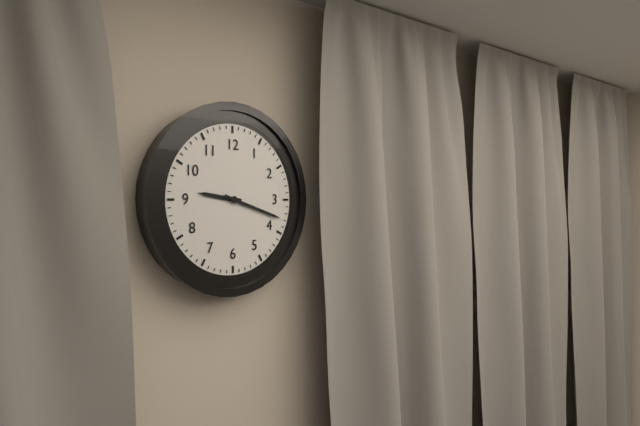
9:18
